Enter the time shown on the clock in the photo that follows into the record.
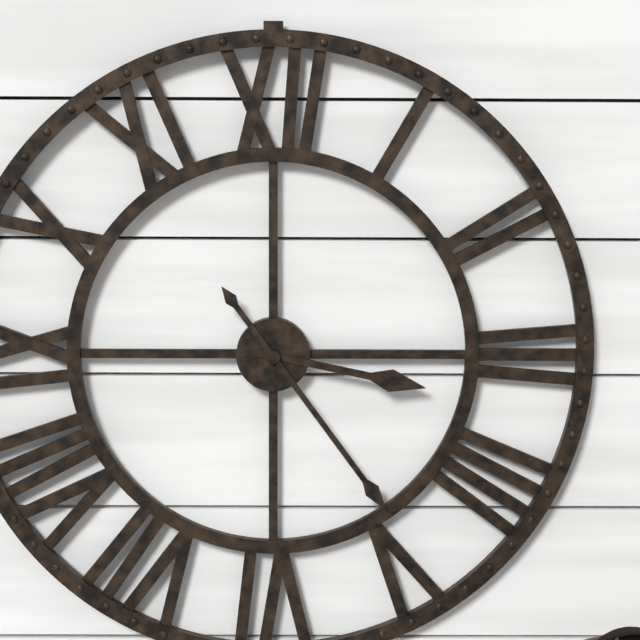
3:24
